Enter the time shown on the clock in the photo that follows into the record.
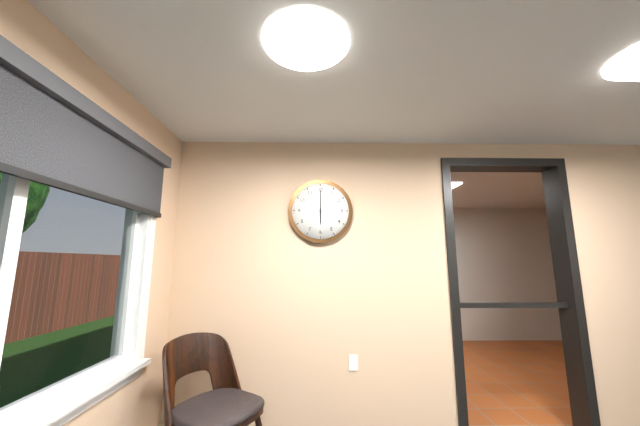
6:00
